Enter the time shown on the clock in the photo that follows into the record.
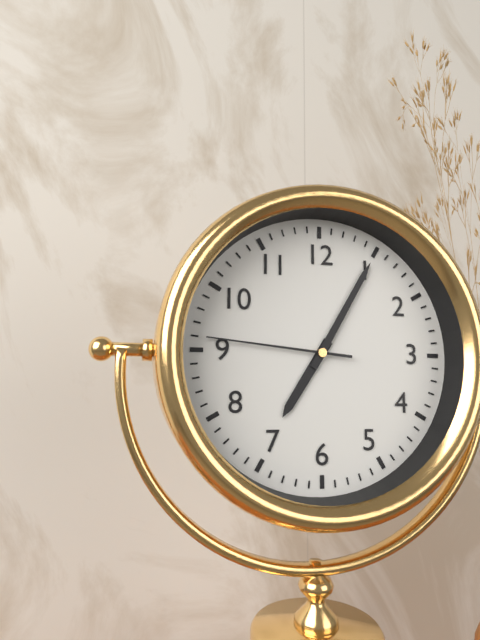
7:05:46
